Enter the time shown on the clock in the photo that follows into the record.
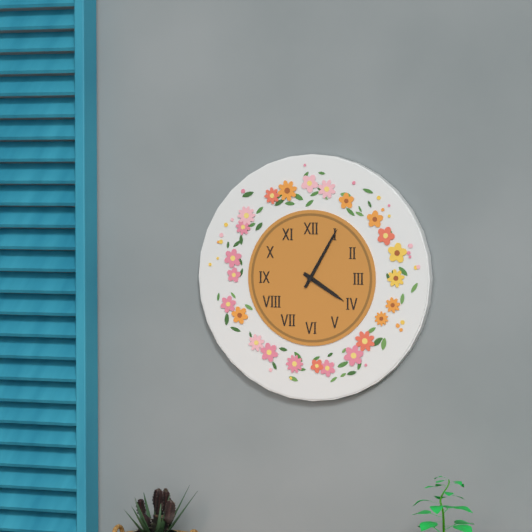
4:05
